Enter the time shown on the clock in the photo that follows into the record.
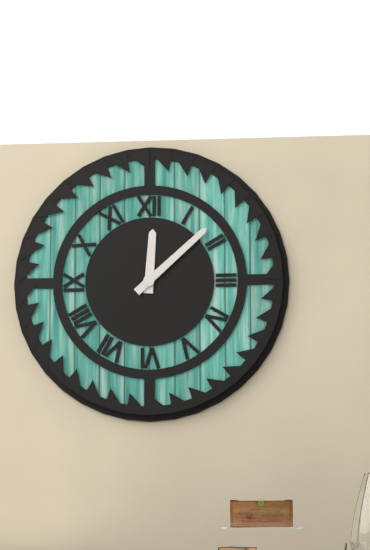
12:08
